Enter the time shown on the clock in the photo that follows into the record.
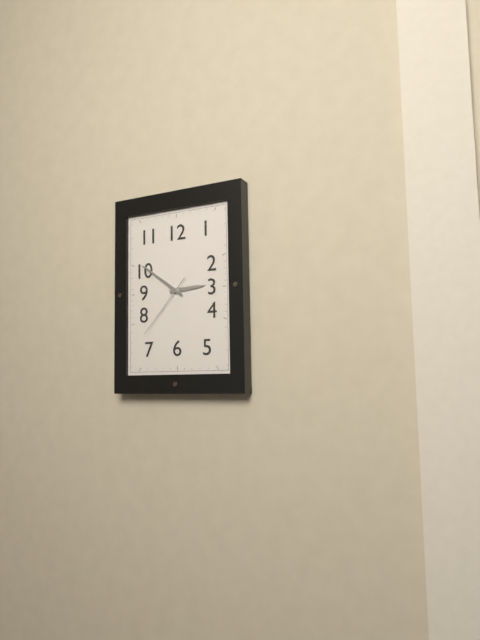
2:51:37
